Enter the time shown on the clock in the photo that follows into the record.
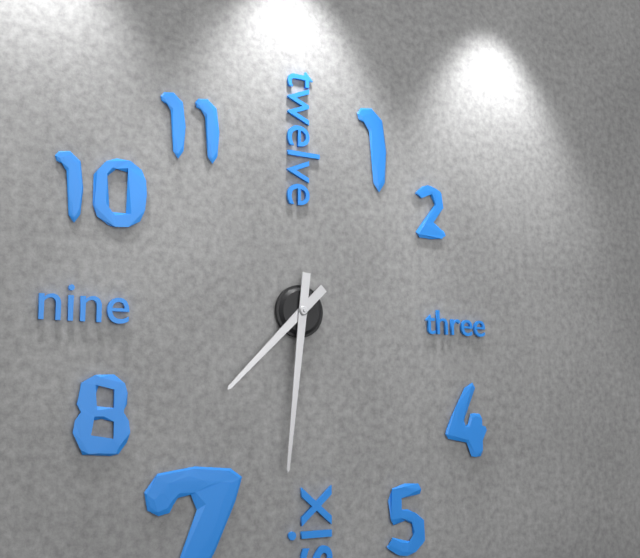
7:31
